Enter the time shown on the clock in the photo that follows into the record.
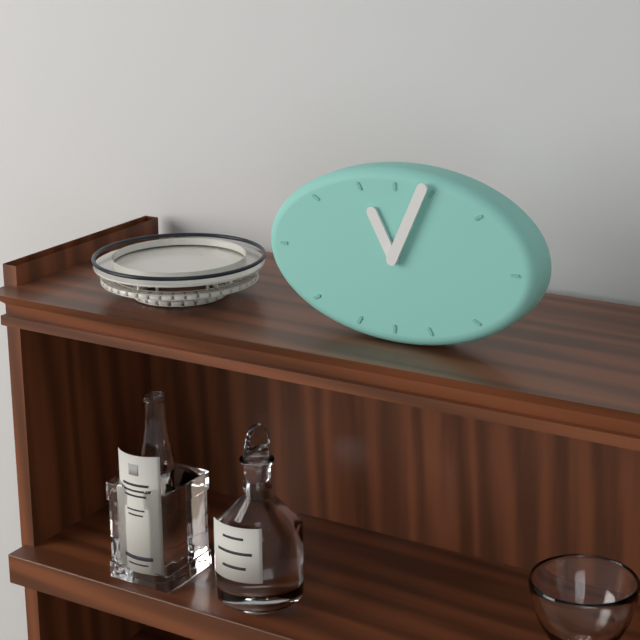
11:04
